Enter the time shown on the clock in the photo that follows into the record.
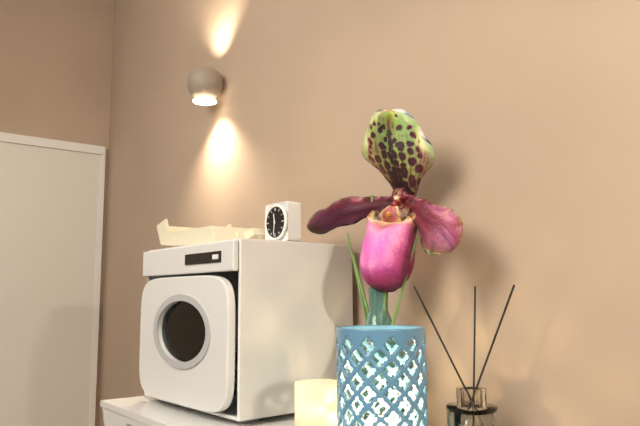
11:31
